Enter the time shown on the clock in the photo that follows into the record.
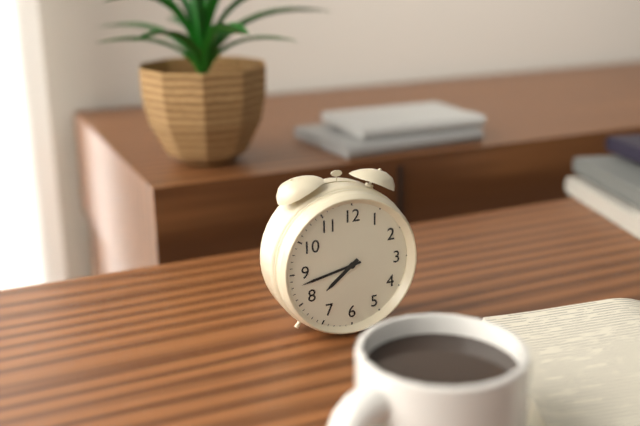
7:43
